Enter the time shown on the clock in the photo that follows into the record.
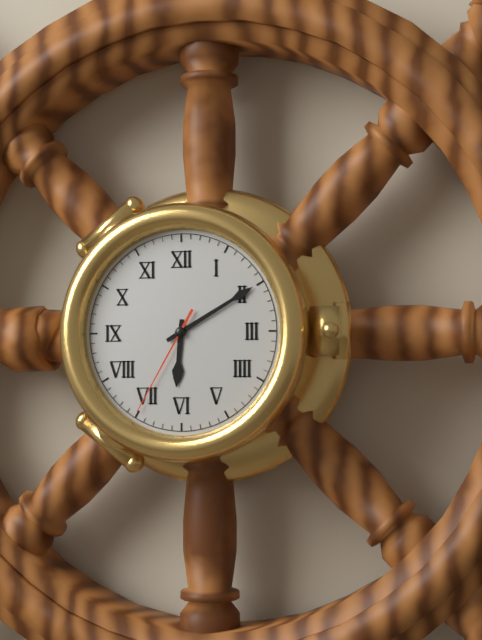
6:10:35
